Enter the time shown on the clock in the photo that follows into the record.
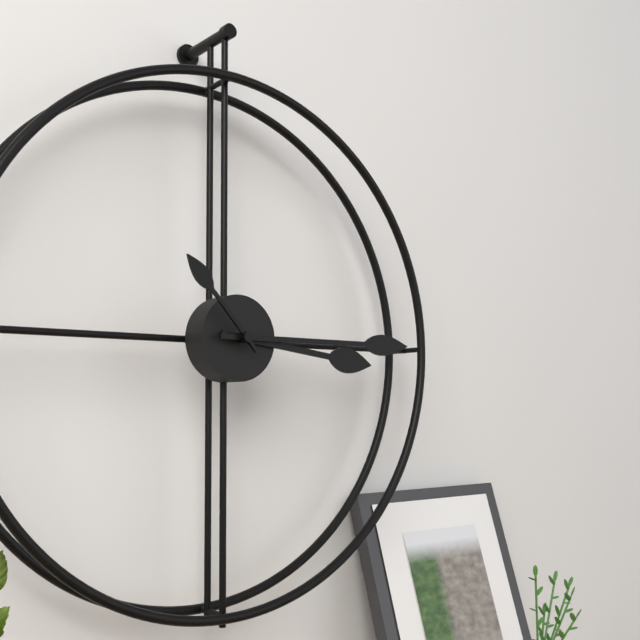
3:15:53
